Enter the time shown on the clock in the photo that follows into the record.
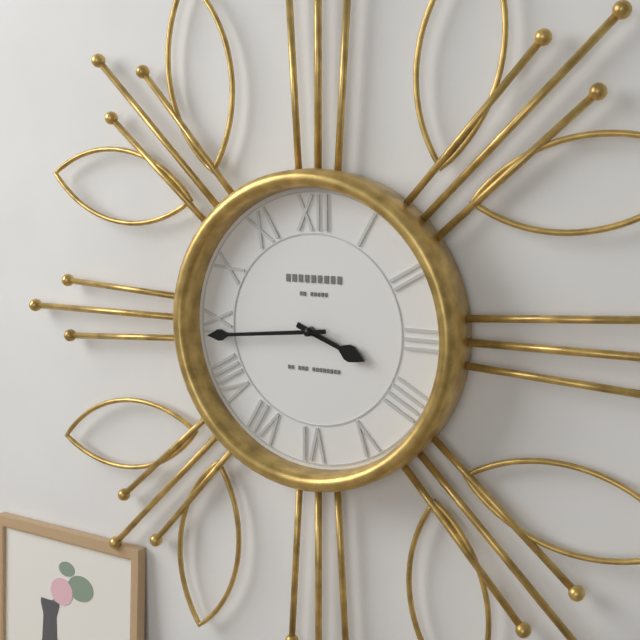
3:44
